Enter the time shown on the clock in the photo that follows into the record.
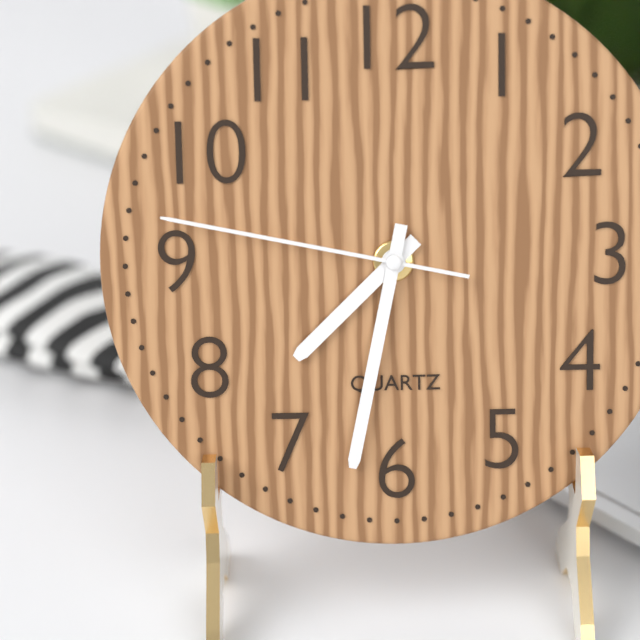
7:32:47
